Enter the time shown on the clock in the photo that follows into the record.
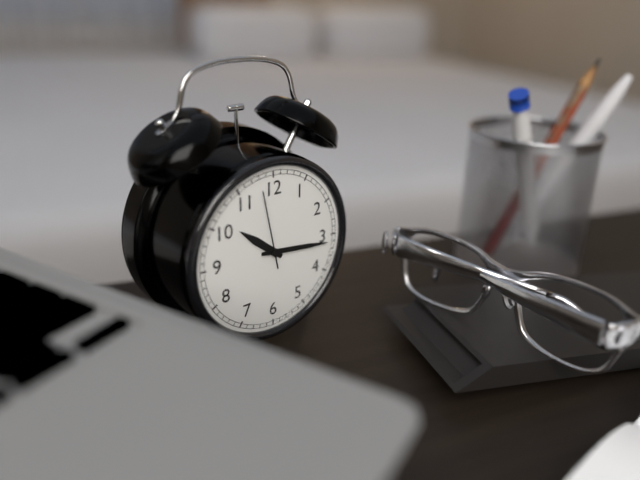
10:16:58
